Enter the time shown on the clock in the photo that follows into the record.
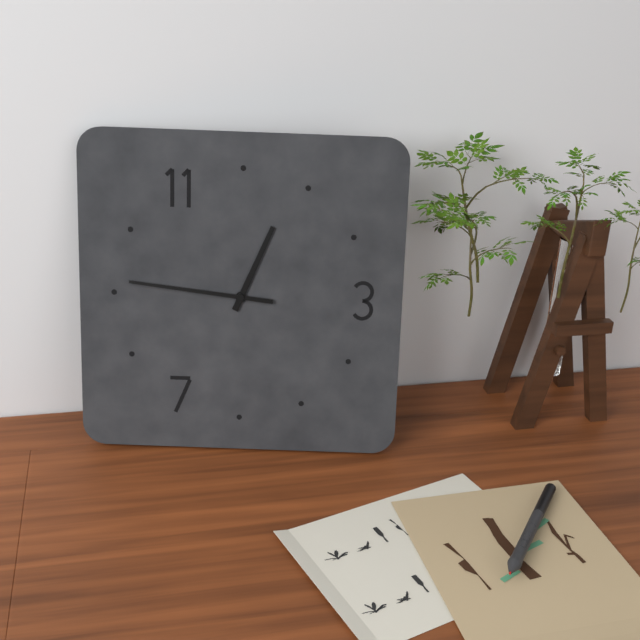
12:46
